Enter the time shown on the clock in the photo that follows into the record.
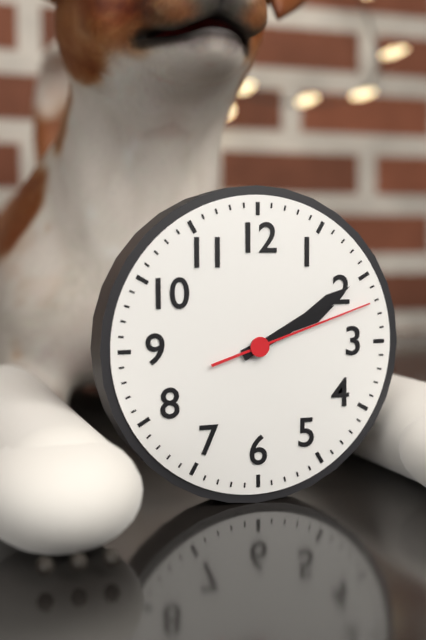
2:10:12
